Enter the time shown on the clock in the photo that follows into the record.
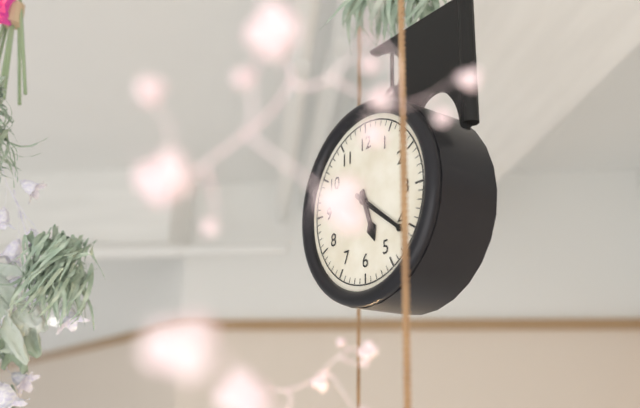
5:21
